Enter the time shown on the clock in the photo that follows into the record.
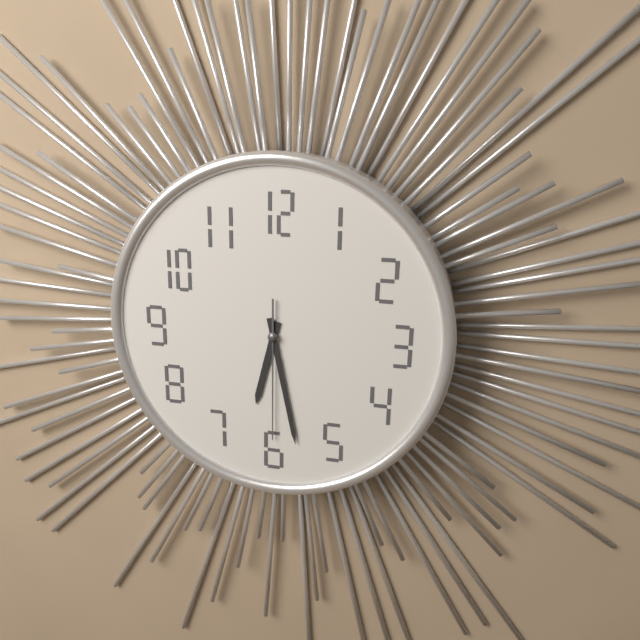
6:28:30
